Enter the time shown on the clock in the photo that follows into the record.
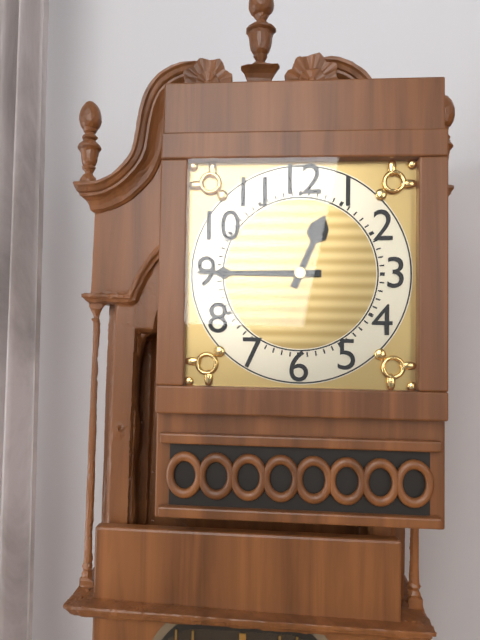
12:45
